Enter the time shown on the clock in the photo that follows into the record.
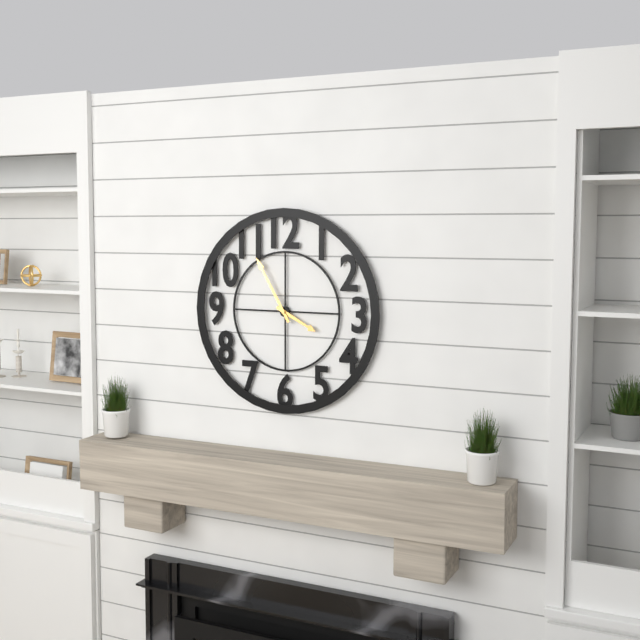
3:55
